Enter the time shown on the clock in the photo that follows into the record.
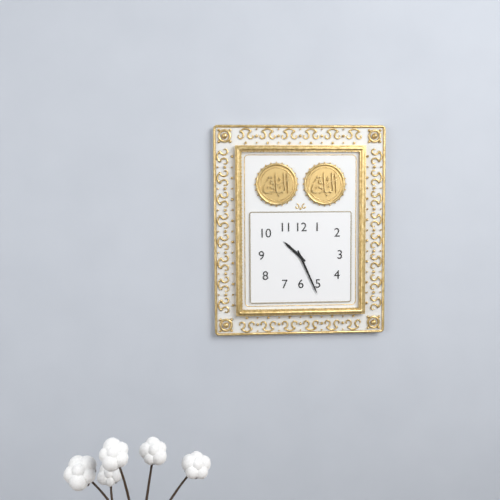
10:26
